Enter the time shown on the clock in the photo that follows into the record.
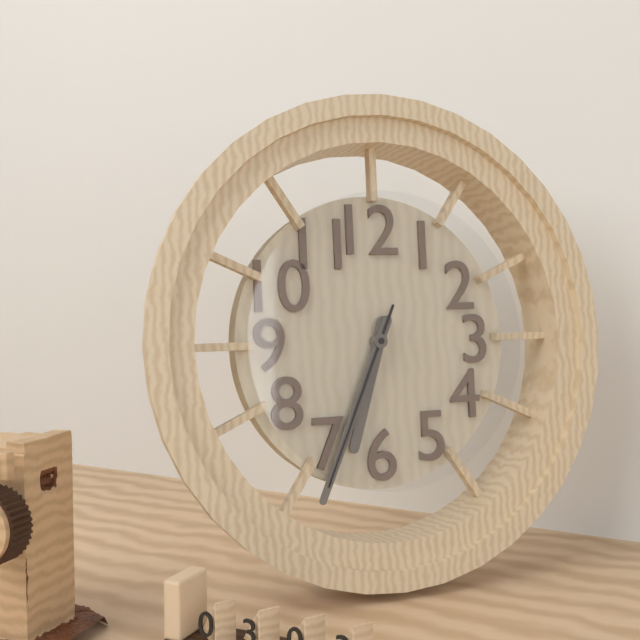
6:34:34
